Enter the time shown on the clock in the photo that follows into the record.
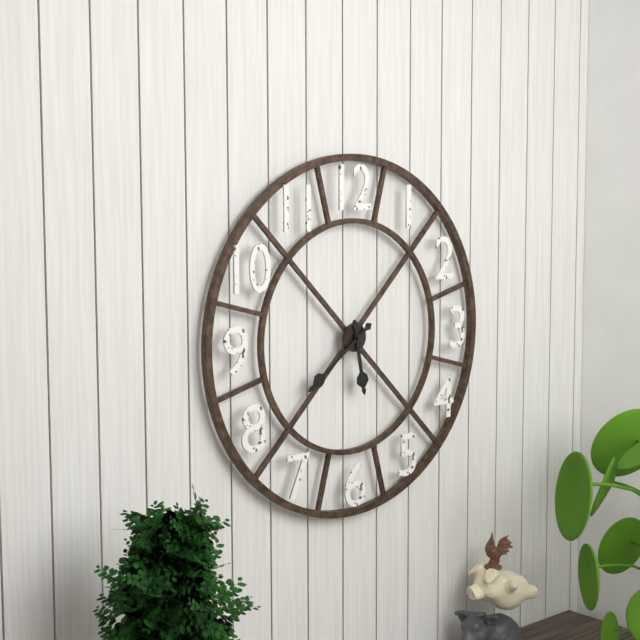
5:39
